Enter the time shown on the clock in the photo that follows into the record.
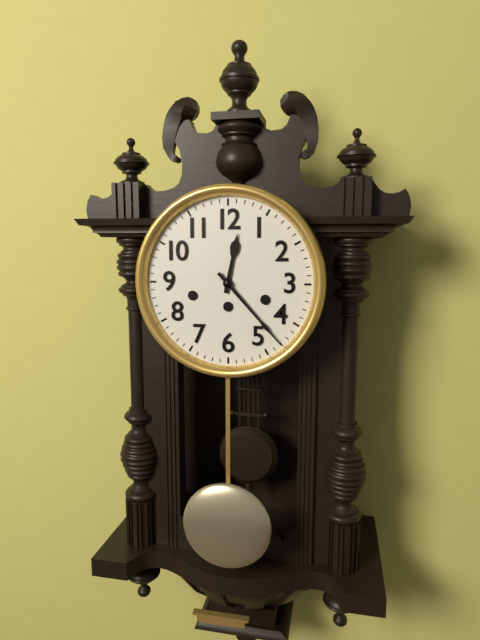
12:23
